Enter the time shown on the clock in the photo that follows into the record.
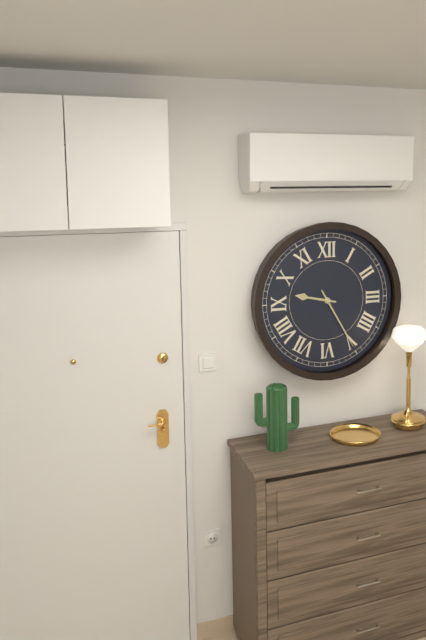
9:25
